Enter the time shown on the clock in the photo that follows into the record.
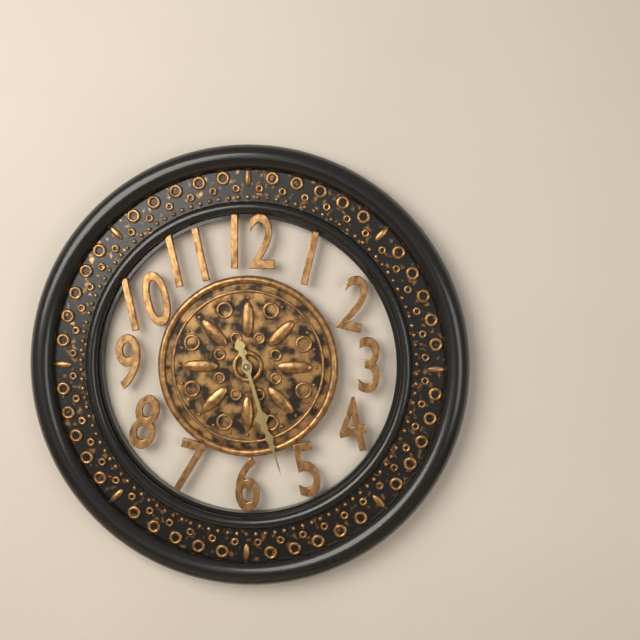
5:27
